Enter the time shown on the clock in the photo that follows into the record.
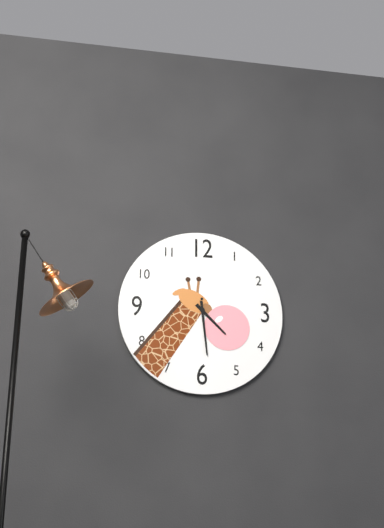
4:29
